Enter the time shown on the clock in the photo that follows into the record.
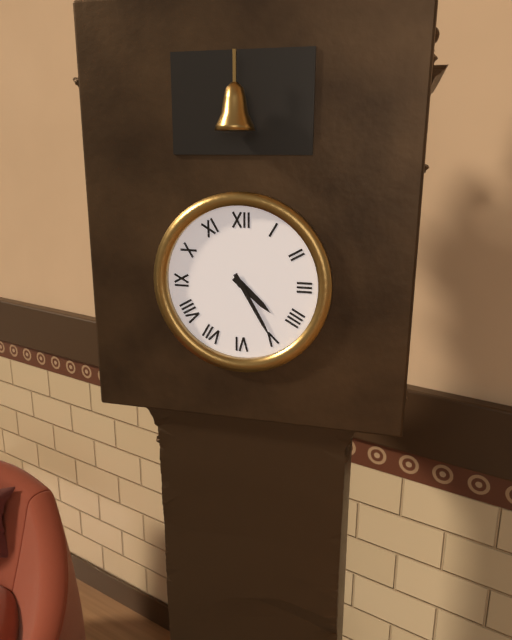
4:25
